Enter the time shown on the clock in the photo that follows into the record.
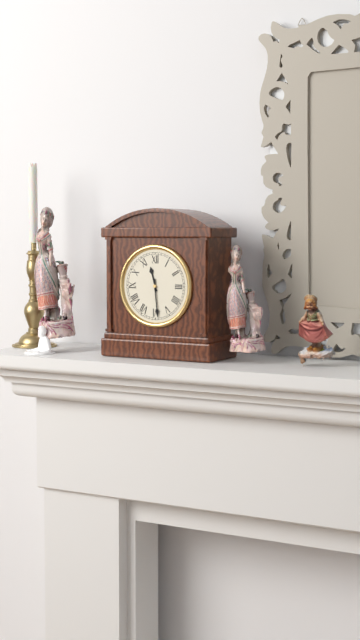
11:29
